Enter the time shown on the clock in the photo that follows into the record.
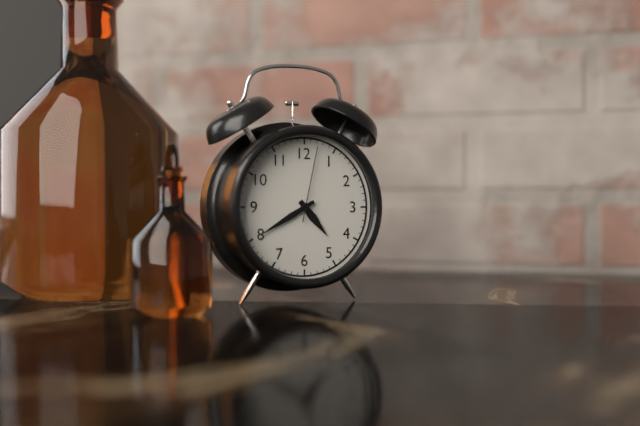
4:40:02
